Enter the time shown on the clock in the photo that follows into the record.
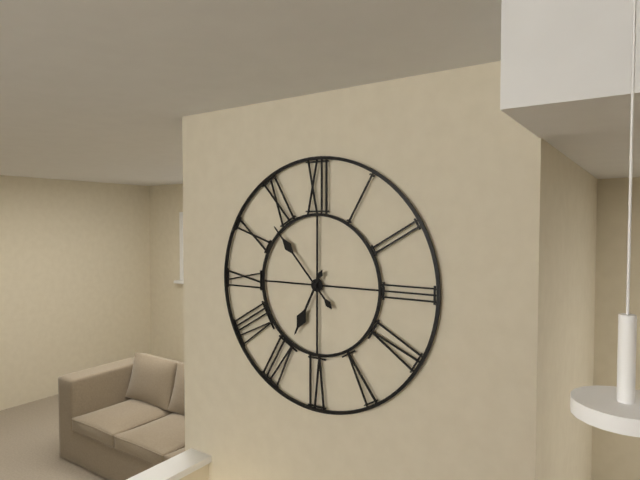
6:53
